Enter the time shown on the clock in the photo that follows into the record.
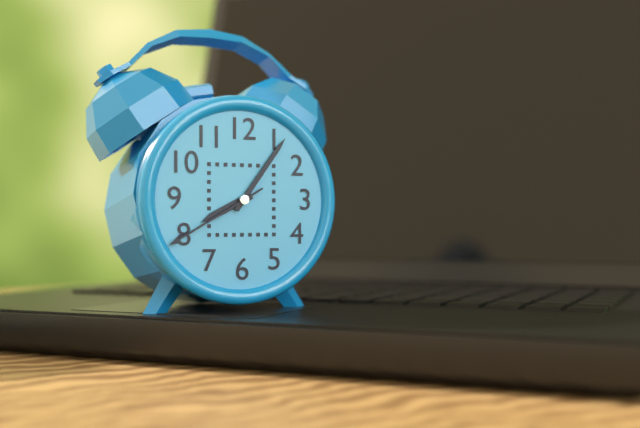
8:06:40
